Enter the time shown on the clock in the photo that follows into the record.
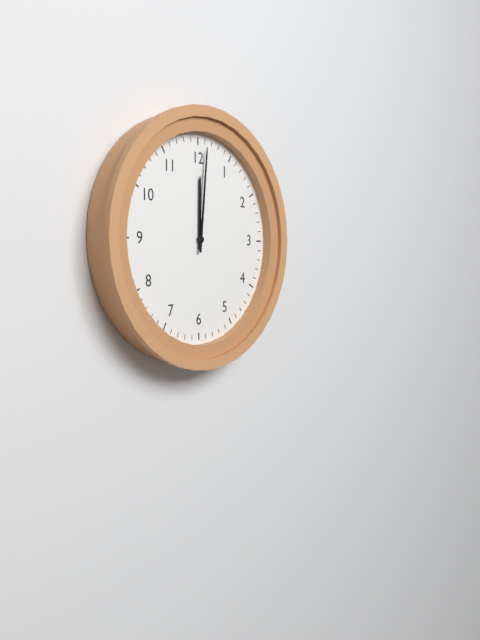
12:01
